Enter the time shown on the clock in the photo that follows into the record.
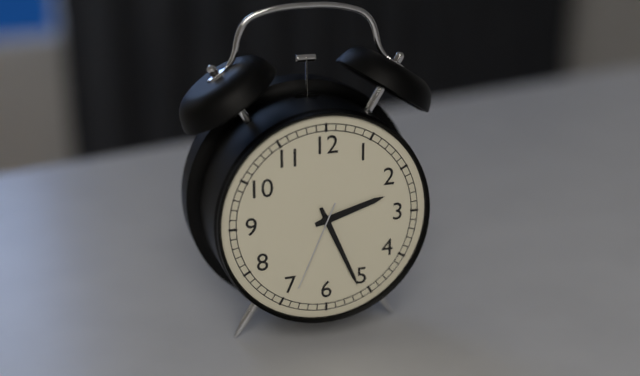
2:26:34
